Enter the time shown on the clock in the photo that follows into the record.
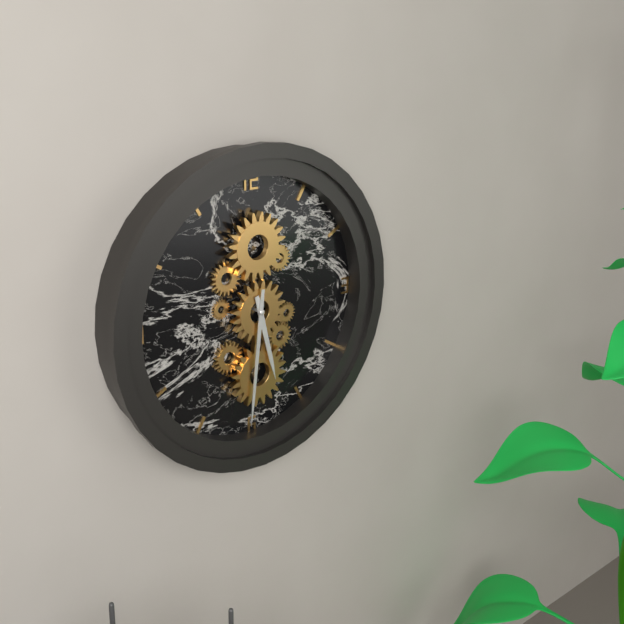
5:31
